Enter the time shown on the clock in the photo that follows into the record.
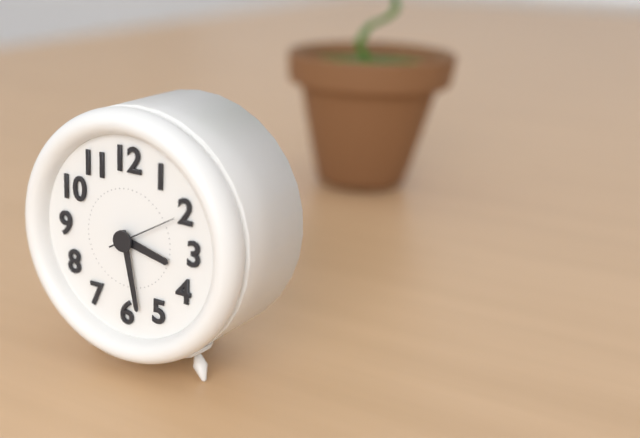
3:28:10
